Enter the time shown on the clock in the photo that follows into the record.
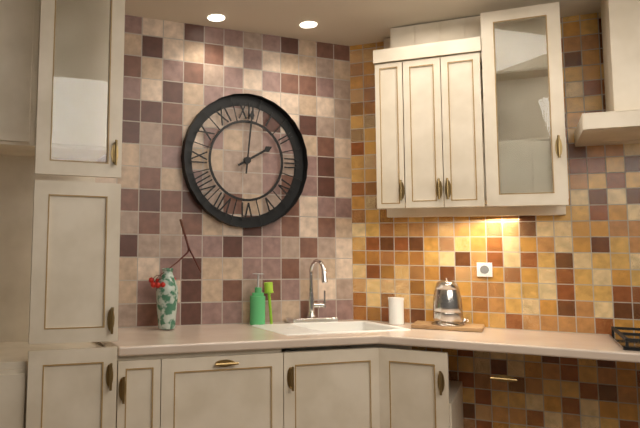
2:01
